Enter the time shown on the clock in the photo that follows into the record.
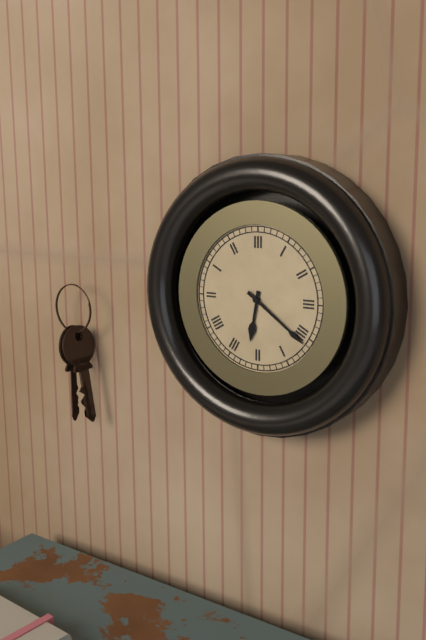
6:21
